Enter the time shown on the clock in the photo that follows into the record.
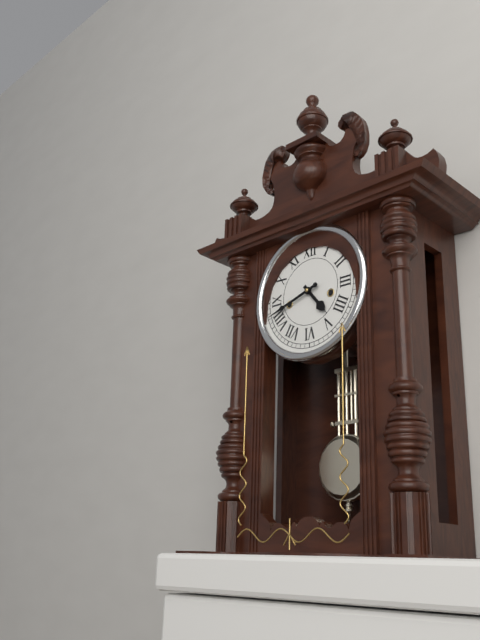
4:42
